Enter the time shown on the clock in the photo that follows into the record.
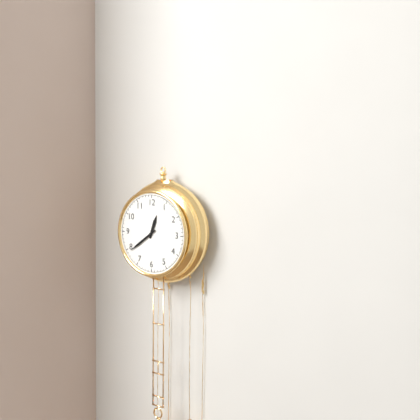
12:39
